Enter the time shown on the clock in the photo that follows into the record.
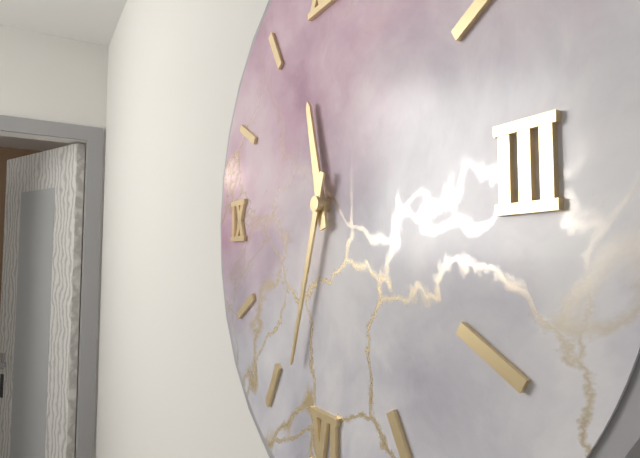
11:33
